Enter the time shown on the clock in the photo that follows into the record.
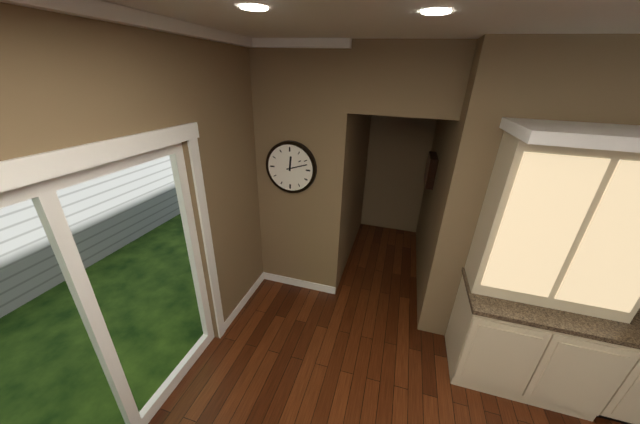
12:12
